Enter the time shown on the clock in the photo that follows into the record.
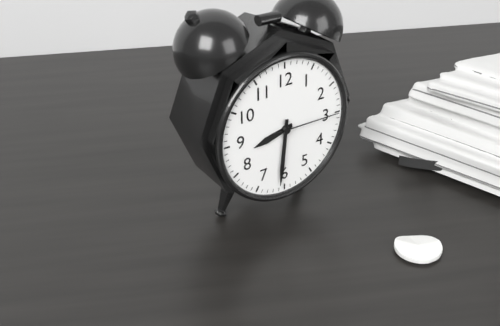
8:31:15
